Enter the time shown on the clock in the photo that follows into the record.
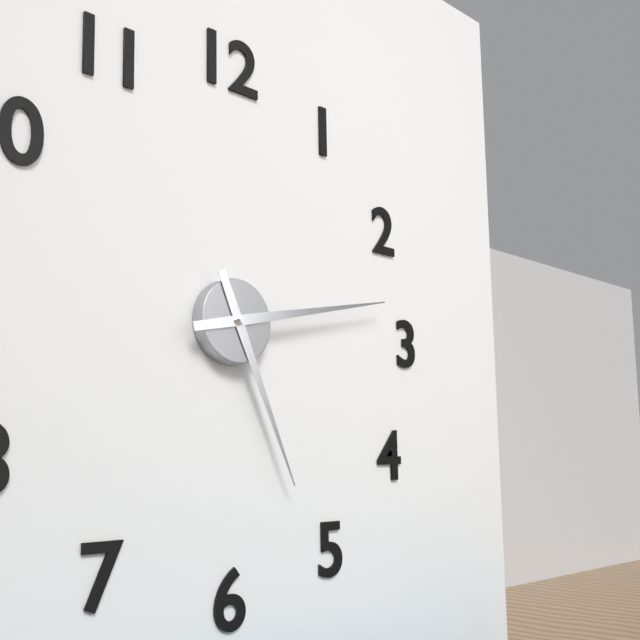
5:13
